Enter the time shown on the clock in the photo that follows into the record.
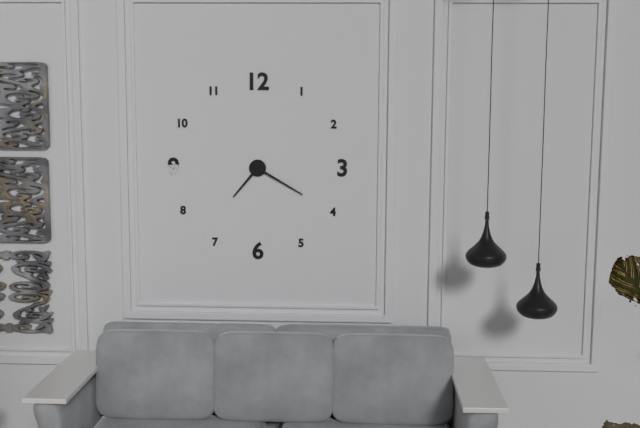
7:20
